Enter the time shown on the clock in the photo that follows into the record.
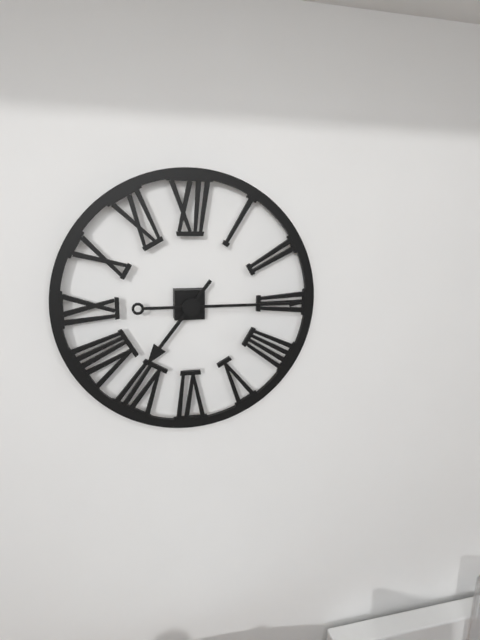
7:15
